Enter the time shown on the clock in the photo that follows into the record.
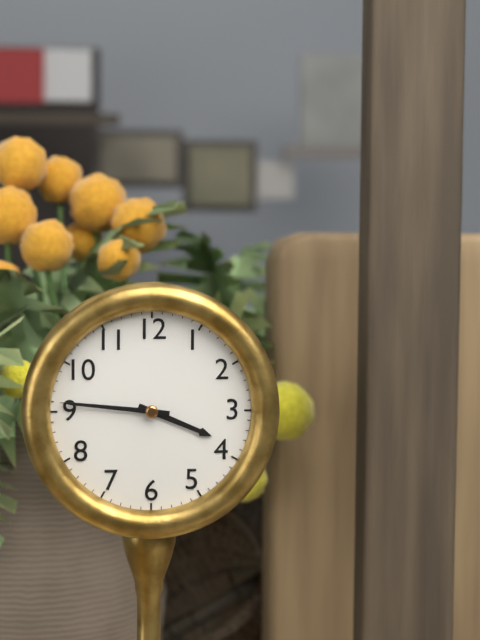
3:46
